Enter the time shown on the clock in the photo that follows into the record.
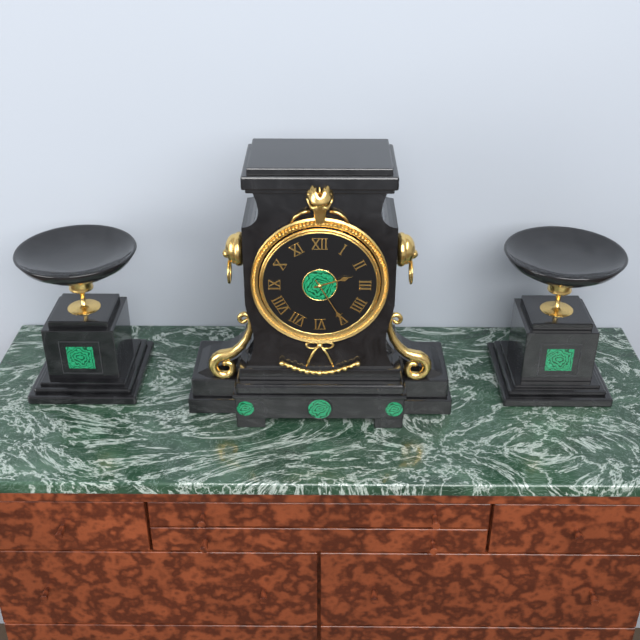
2:25
